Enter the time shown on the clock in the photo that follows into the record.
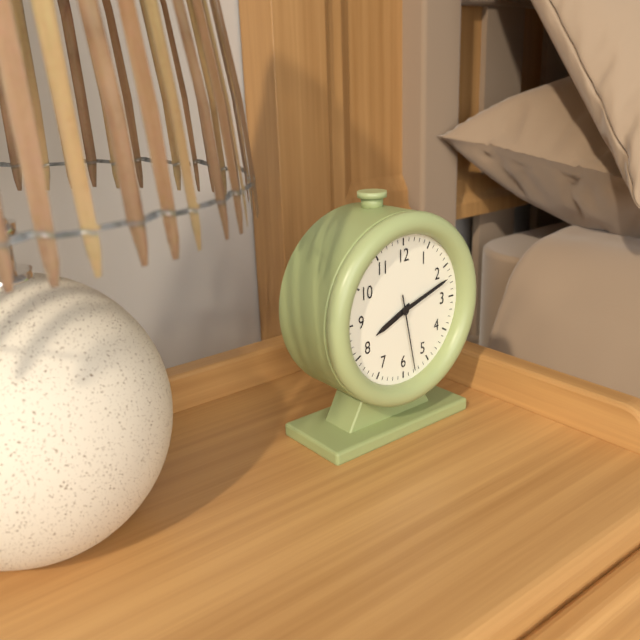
8:12:28
